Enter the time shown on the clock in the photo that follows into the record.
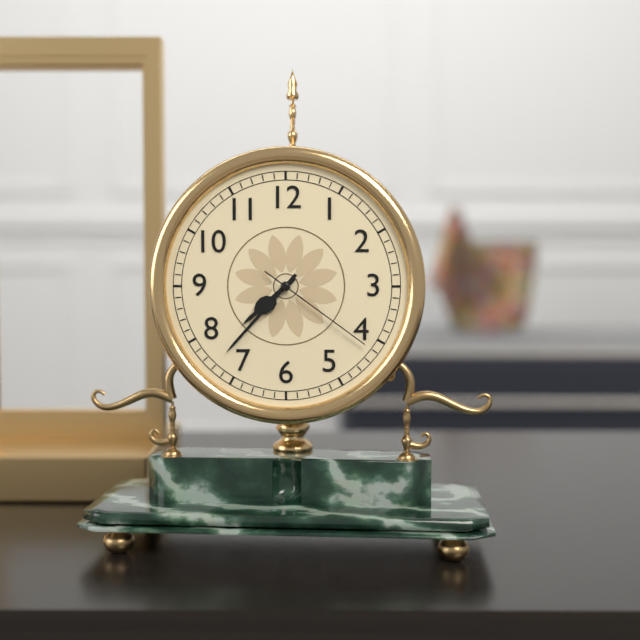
7:37:21
